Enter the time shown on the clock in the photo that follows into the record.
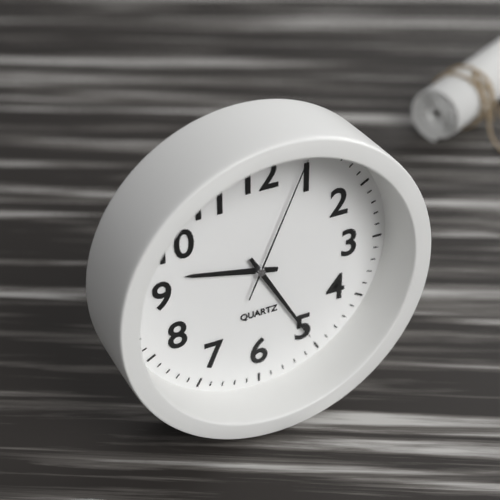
9:25:04
